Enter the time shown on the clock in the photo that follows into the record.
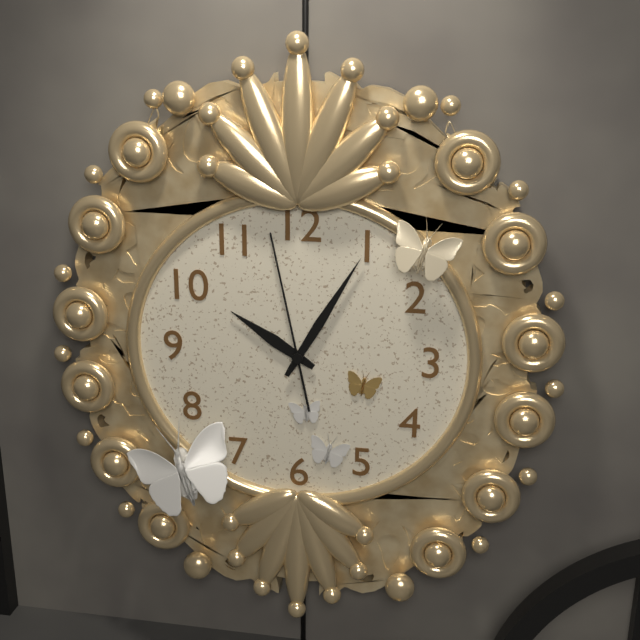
10:05:58
